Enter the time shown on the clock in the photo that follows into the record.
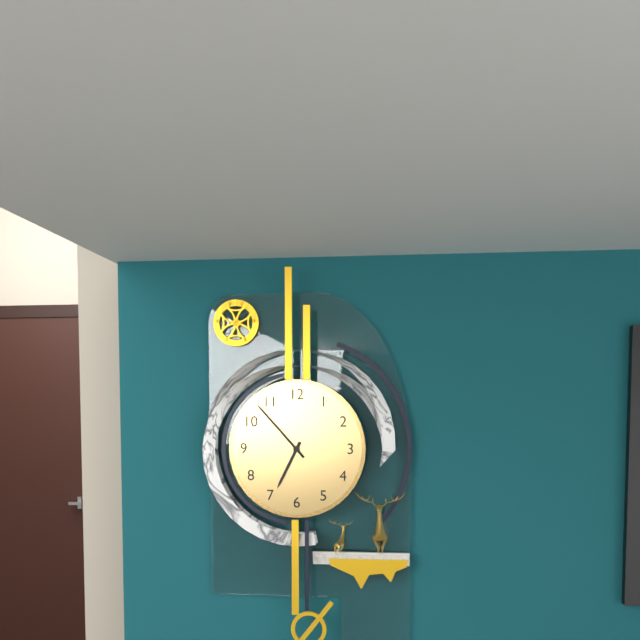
6:53
